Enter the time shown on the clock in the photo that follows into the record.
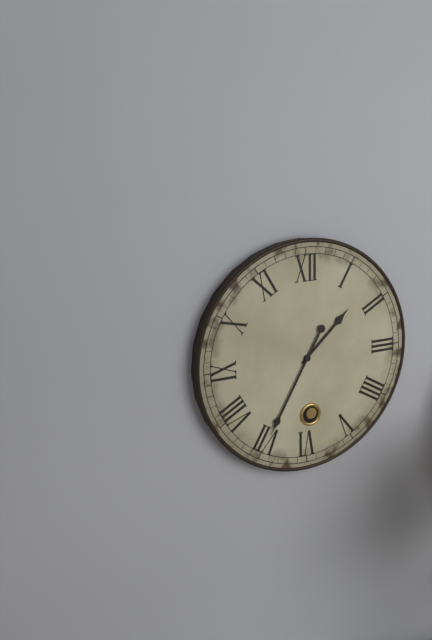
1:35
